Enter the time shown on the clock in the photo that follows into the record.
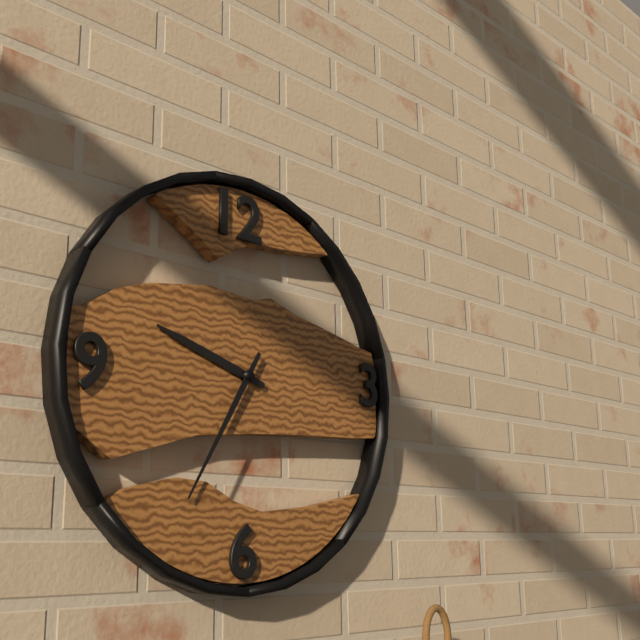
9:35
